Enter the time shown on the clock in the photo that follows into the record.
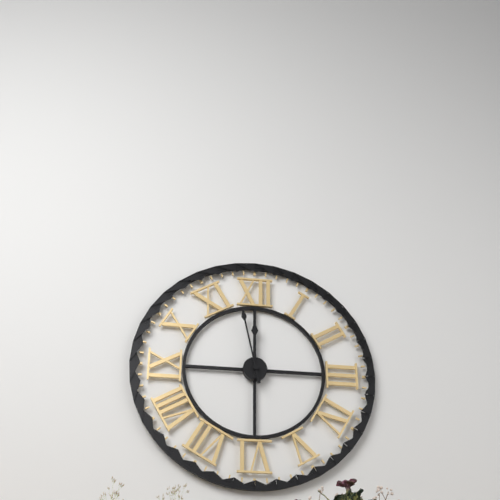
11:58
